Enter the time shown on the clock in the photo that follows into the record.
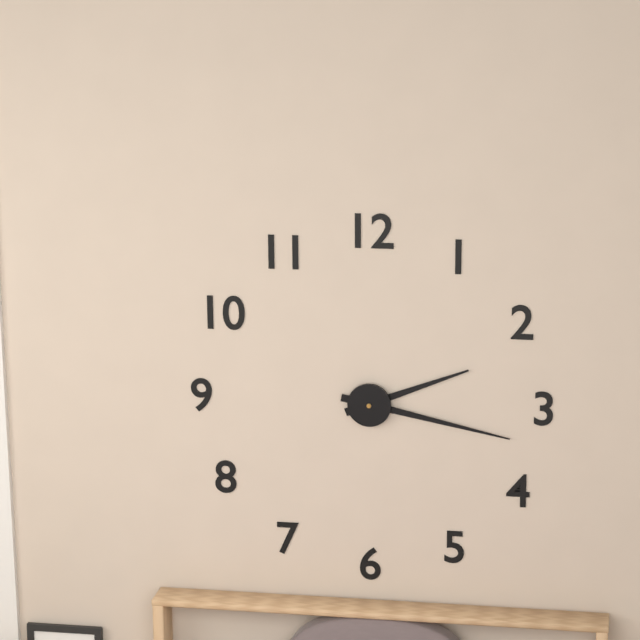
2:17
